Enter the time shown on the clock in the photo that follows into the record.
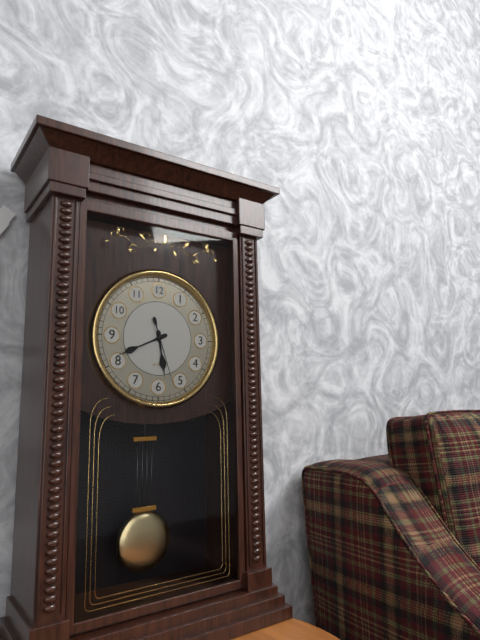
5:41:27
